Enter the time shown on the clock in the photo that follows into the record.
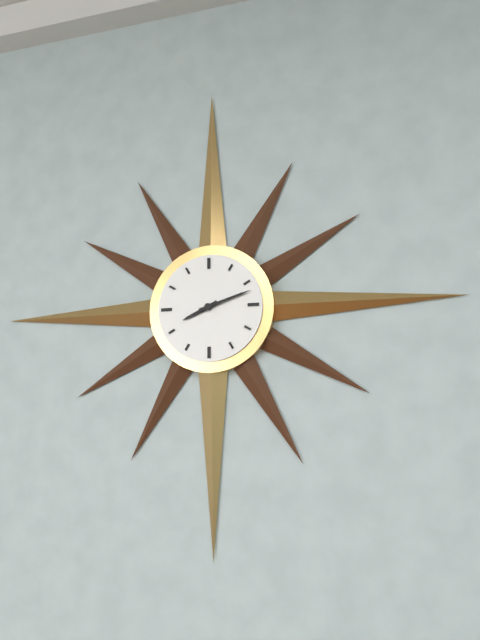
8:12
